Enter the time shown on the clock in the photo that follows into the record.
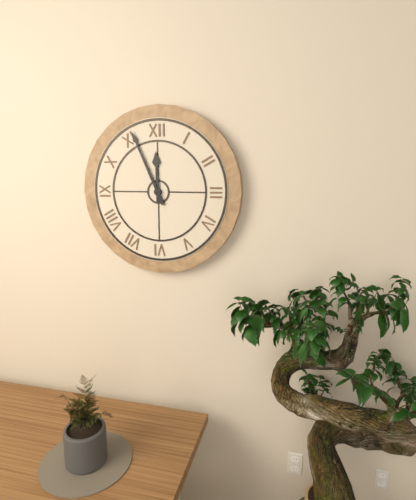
11:56
